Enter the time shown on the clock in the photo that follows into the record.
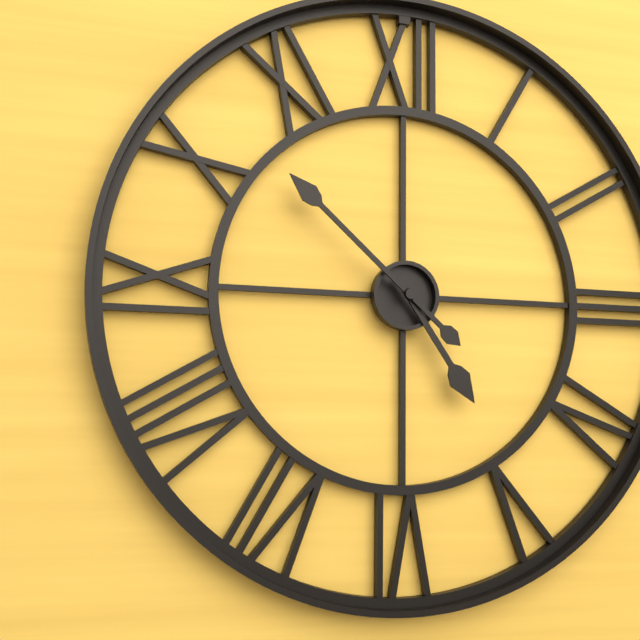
4:52
